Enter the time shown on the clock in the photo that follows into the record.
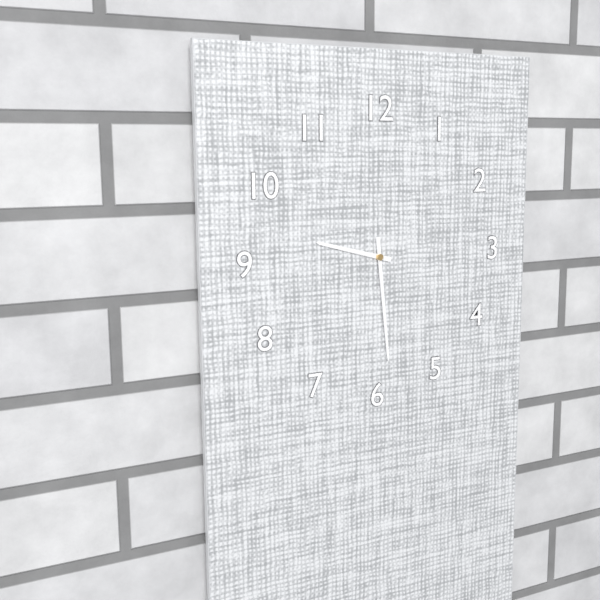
9:29
